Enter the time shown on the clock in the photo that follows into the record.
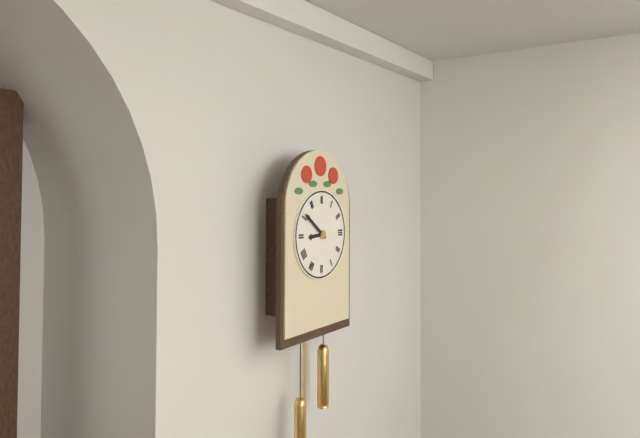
8:51
